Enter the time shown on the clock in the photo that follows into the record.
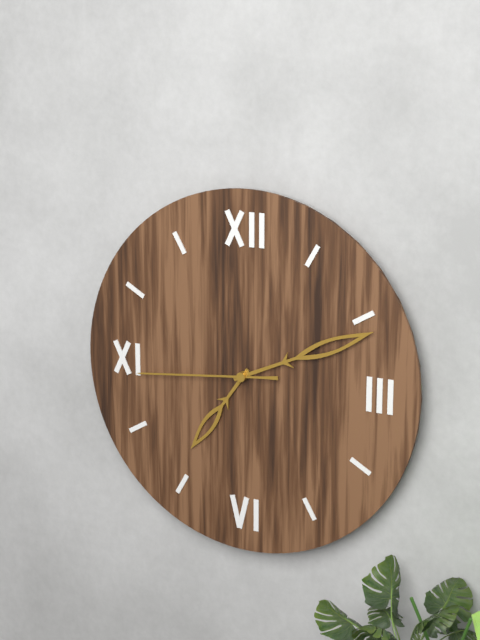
7:11:44
